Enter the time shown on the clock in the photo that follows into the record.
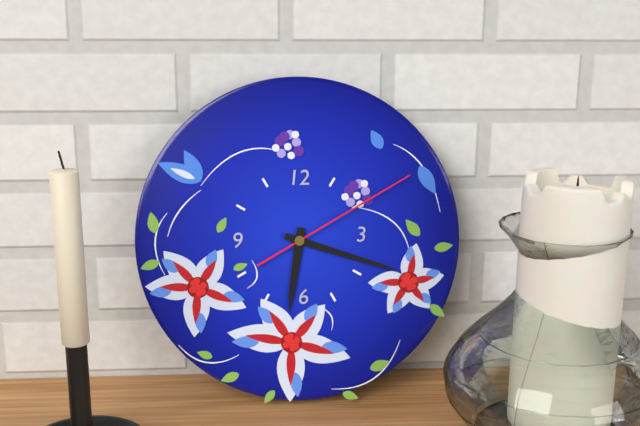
6:18:10
